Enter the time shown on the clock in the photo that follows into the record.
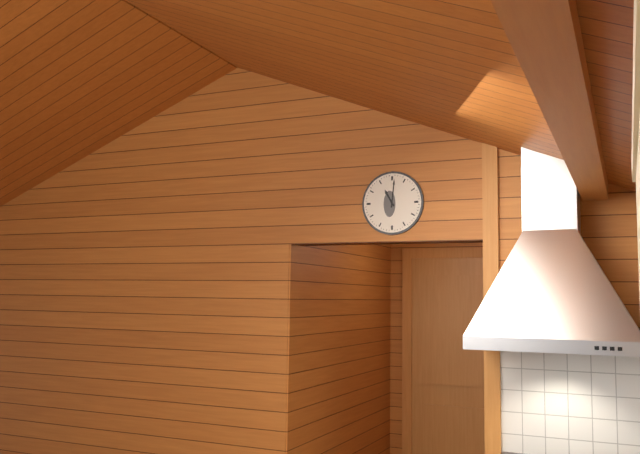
11:01
